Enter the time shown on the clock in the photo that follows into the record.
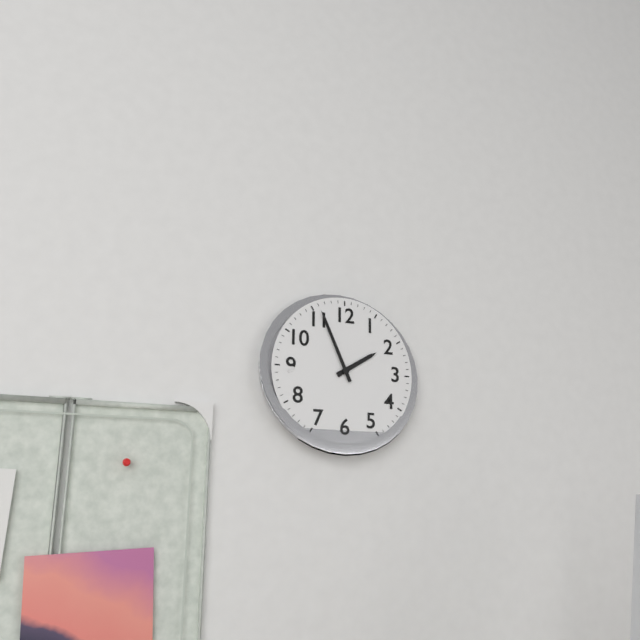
1:56
